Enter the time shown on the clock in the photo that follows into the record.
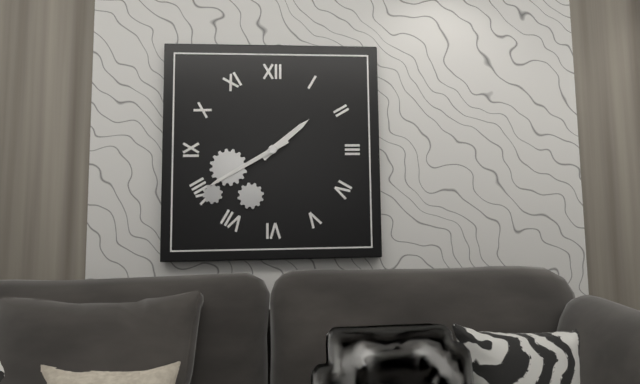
1:40
